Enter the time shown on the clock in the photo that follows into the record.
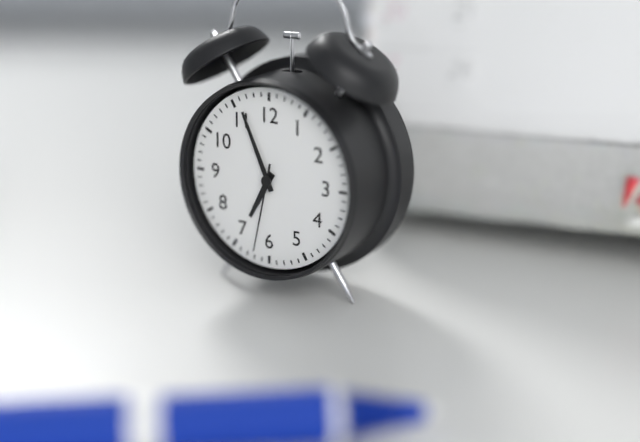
6:56:32
